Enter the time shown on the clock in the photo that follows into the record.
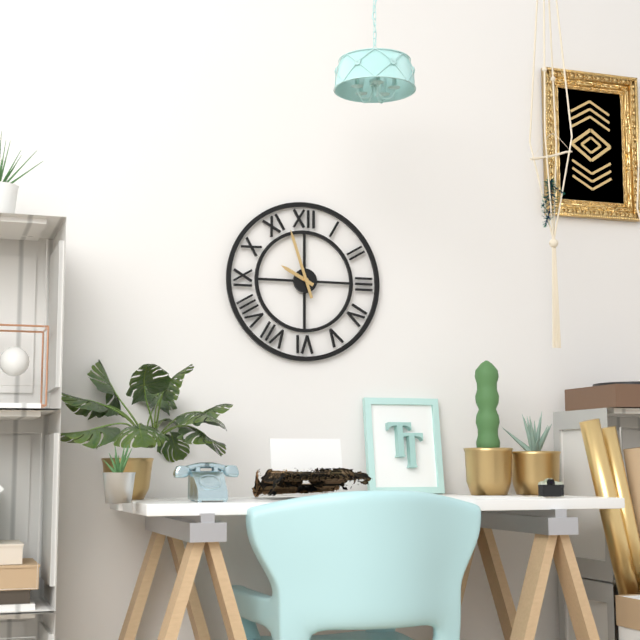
9:57
